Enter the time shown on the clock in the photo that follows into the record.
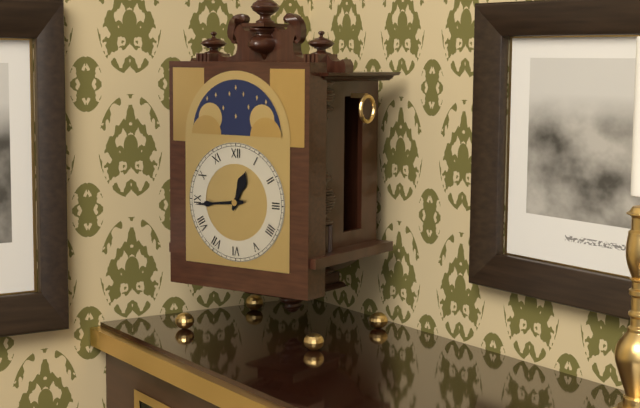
12:44
